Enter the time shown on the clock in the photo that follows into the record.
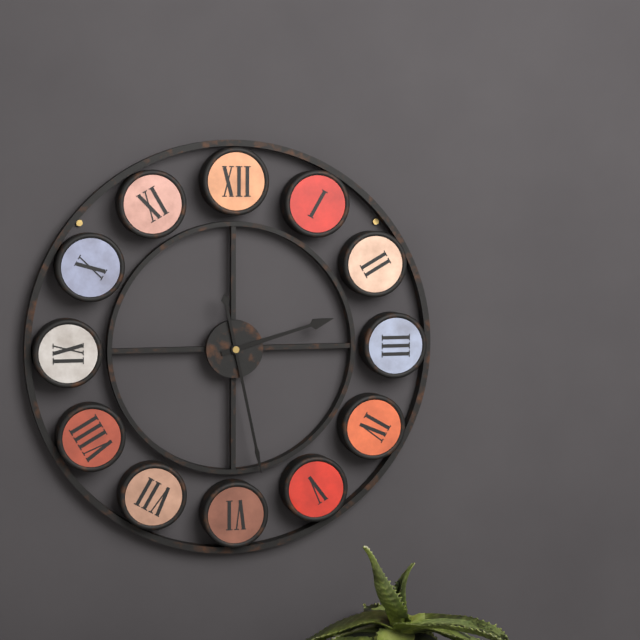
2:28
